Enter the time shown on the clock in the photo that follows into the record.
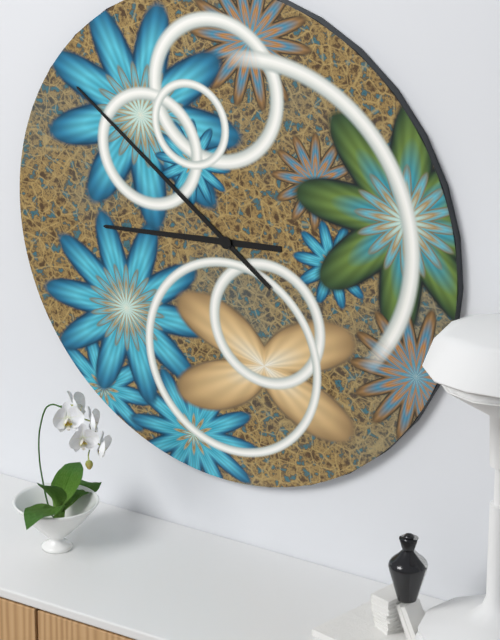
8:51
